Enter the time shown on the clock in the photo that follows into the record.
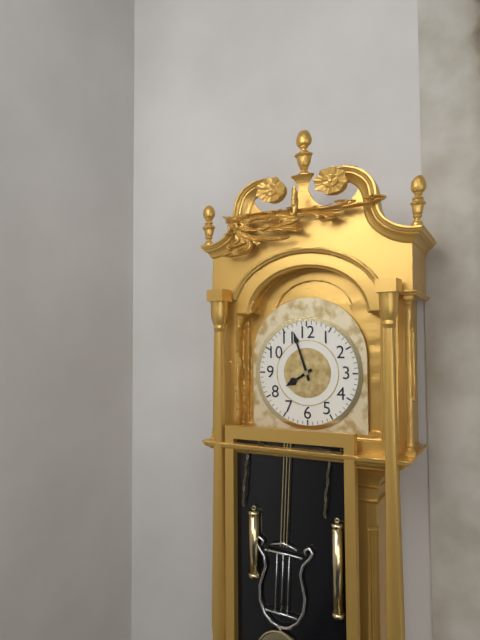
7:57
